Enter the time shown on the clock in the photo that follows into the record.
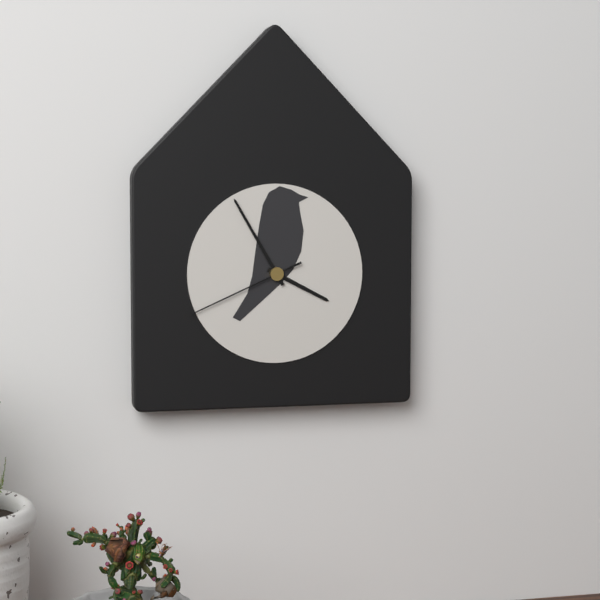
3:55:41
